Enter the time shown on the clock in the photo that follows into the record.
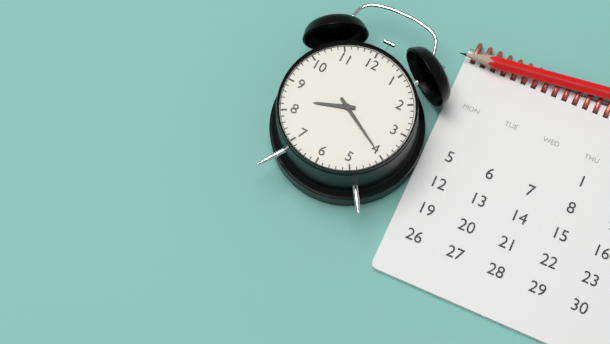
8:20
